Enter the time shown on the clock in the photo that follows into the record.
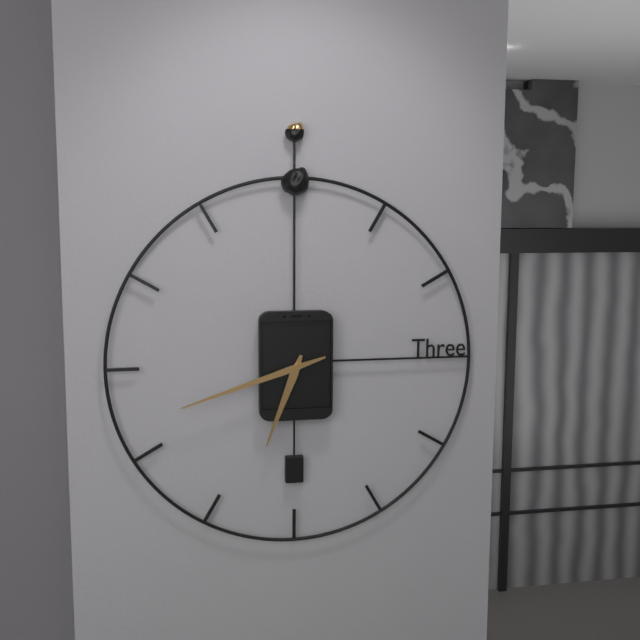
6:42
